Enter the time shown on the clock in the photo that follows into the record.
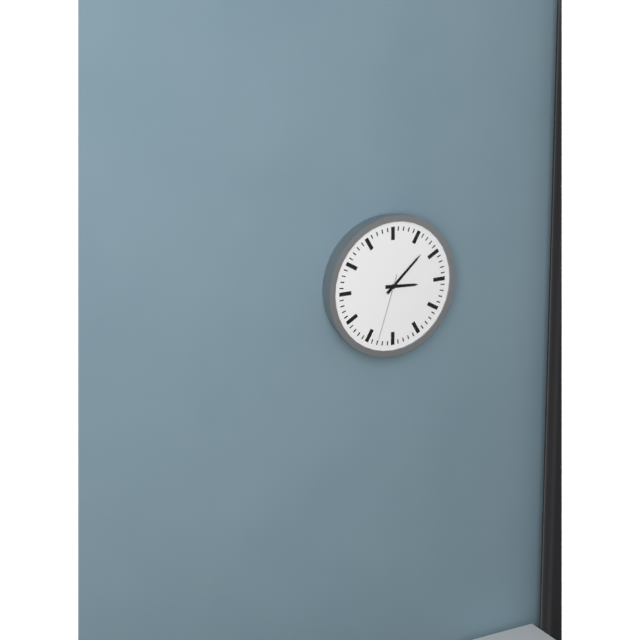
3:08:33
